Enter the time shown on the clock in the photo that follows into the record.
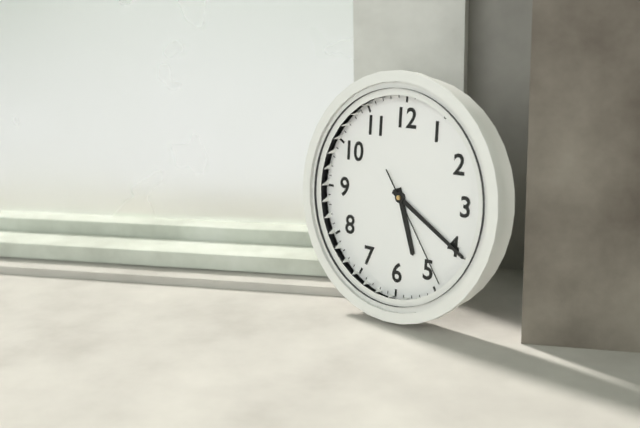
5:20:24
